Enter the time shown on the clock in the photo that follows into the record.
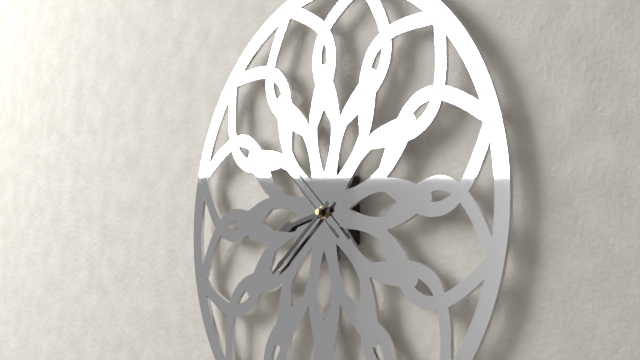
8:39:52
